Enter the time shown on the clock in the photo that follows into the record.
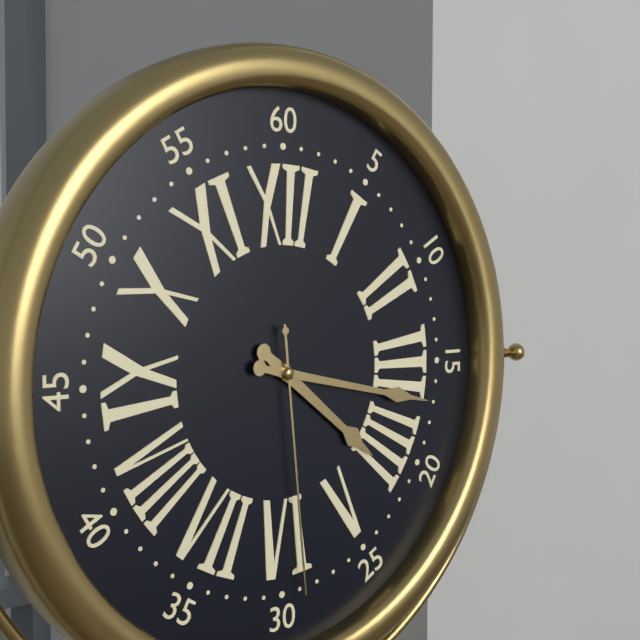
4:17:29
